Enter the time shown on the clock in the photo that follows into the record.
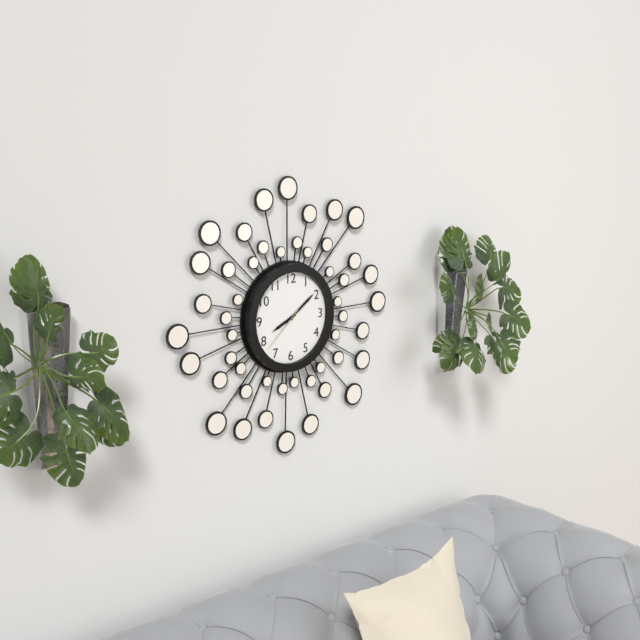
8:09
